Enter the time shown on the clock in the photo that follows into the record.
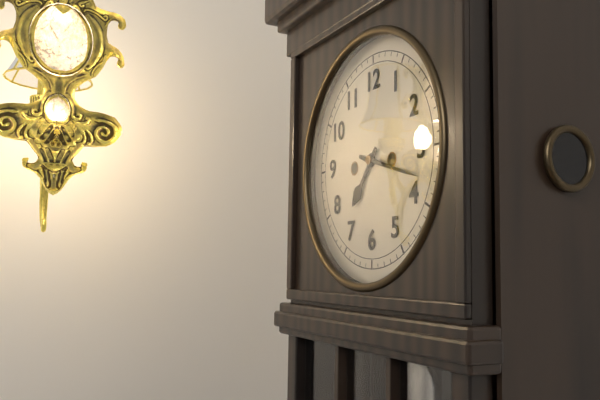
7:18
